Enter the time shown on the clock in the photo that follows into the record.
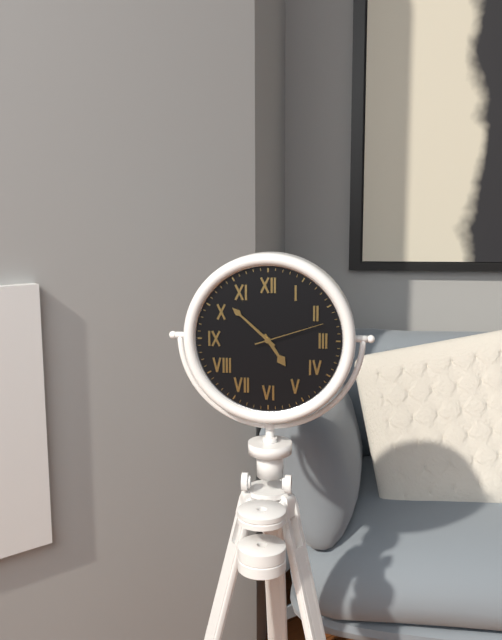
4:52:12
